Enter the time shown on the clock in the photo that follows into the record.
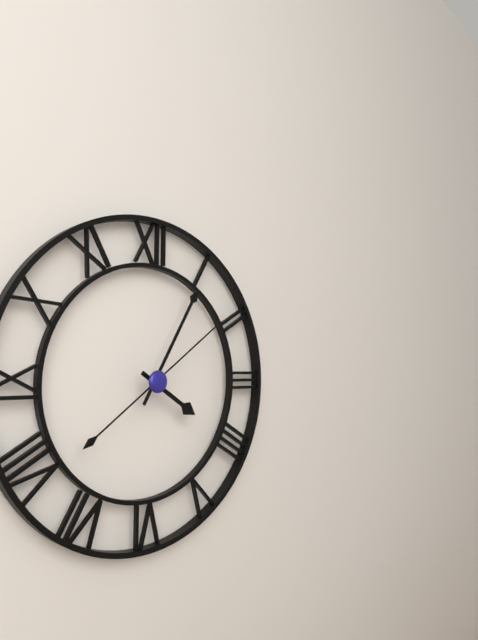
4:05:09
